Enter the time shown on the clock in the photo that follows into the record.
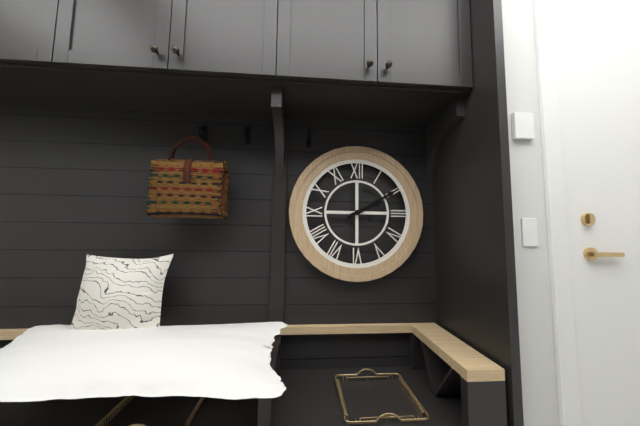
2:10
